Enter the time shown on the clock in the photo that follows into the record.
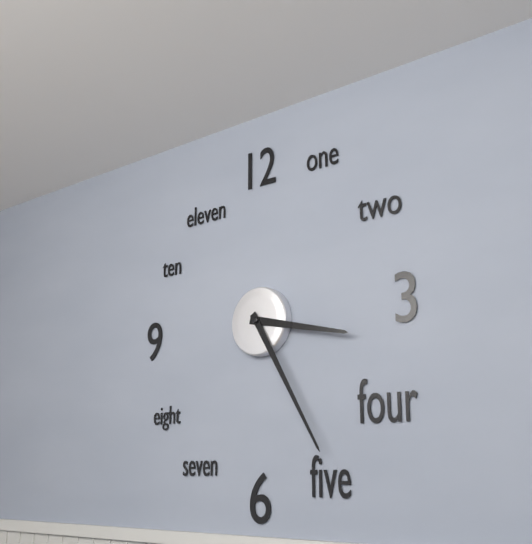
3:25
